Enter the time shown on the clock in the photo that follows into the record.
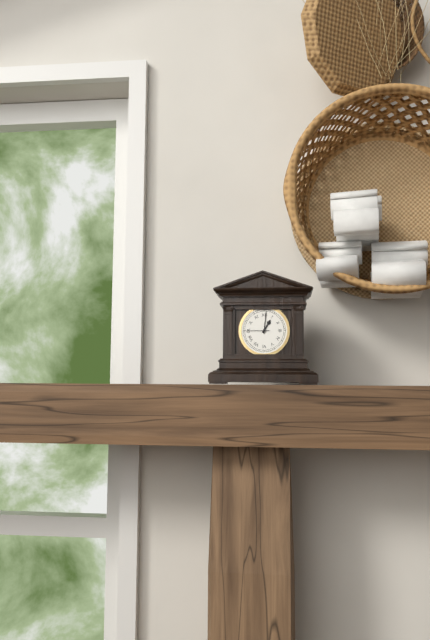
1:01
